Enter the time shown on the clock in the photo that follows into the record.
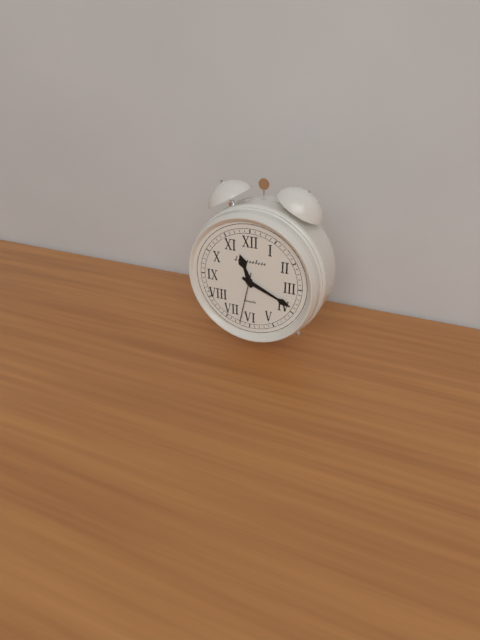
11:19:32
